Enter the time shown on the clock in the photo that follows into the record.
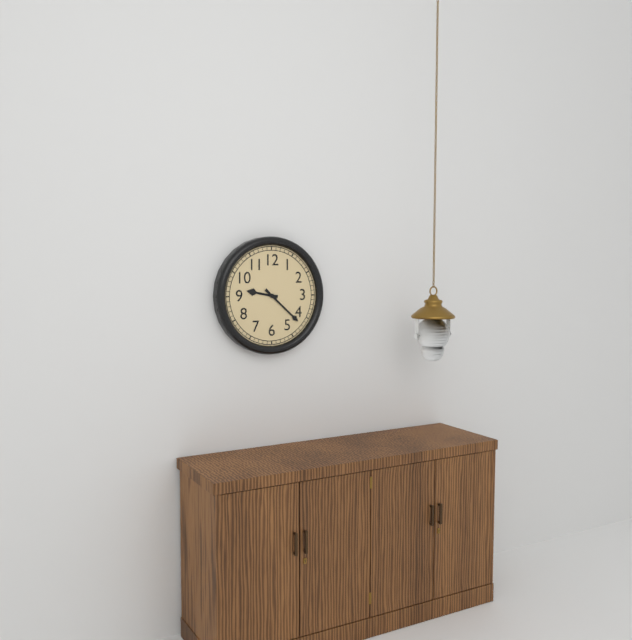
9:22
